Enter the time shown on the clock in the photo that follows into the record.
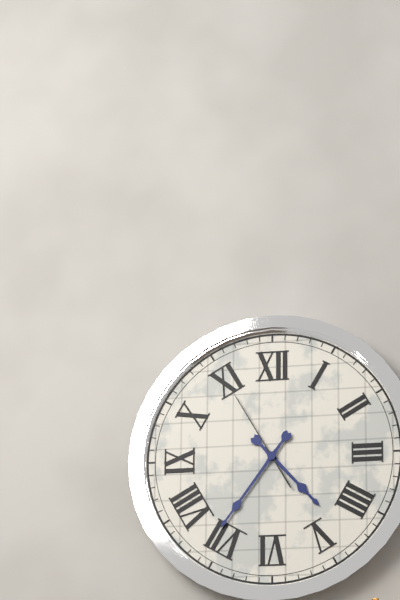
4:36:55
